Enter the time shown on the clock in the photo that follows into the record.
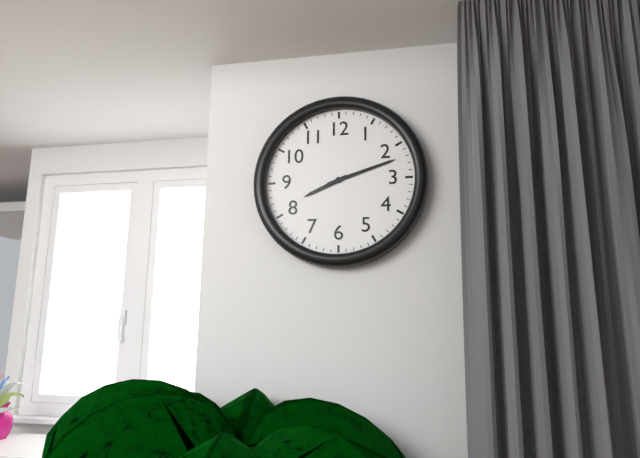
8:12
